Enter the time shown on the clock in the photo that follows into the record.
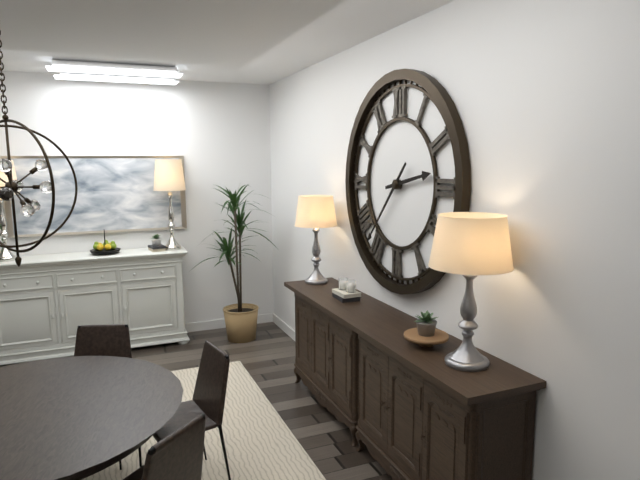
2:37
